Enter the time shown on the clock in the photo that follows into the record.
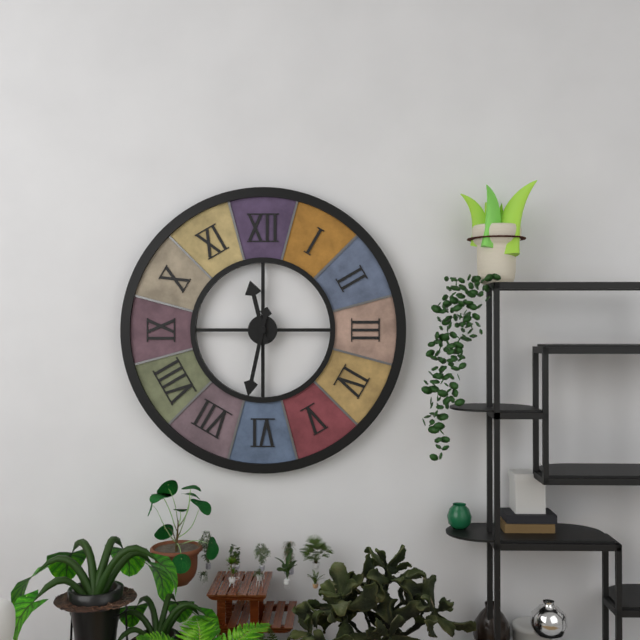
11:32
